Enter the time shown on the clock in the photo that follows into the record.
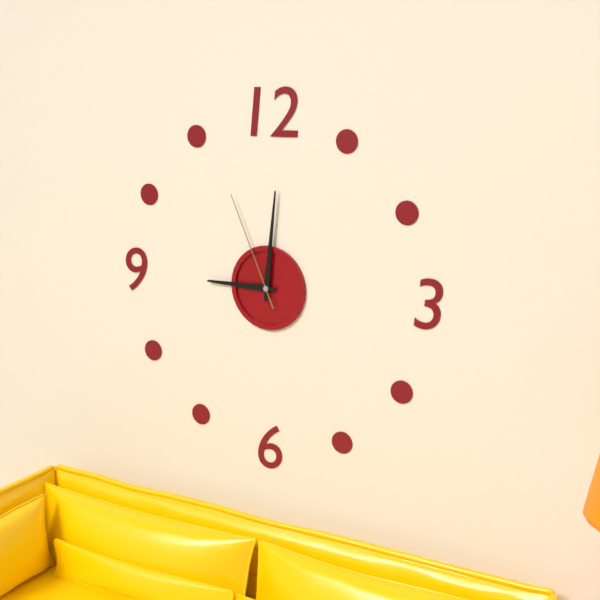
9:01:56
